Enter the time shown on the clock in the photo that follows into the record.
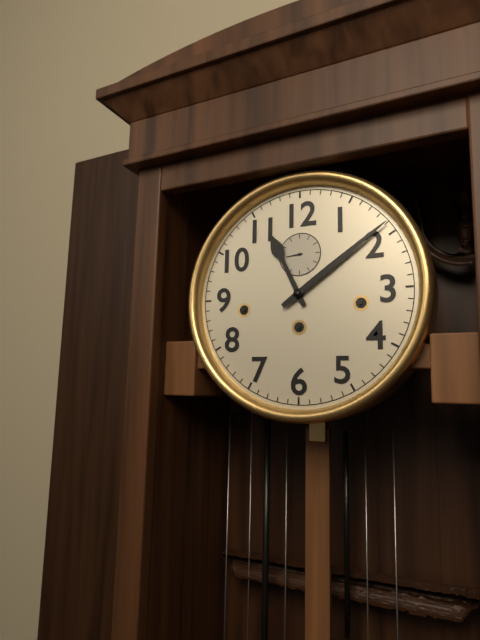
11:09
